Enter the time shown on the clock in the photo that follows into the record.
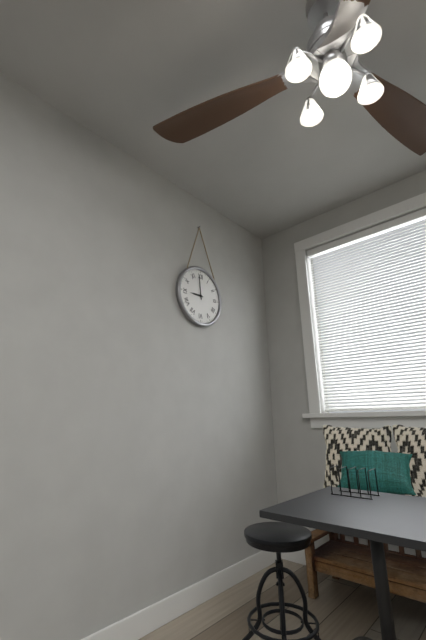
8:59
